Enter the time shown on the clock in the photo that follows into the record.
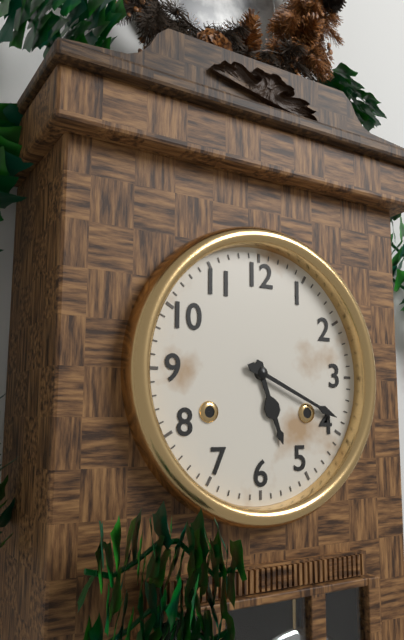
5:19
